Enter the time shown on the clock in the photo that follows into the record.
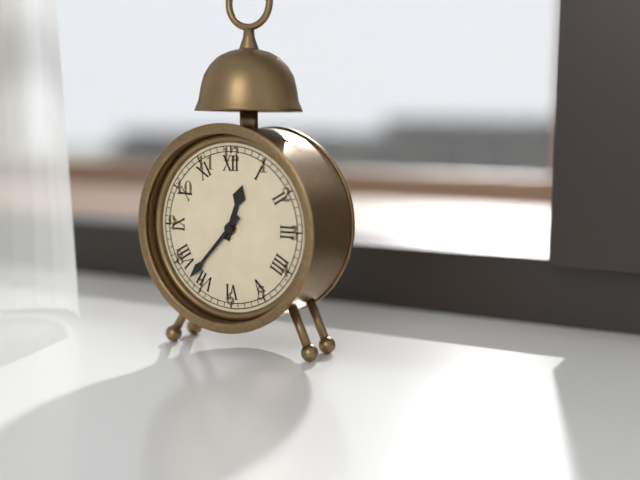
12:37
